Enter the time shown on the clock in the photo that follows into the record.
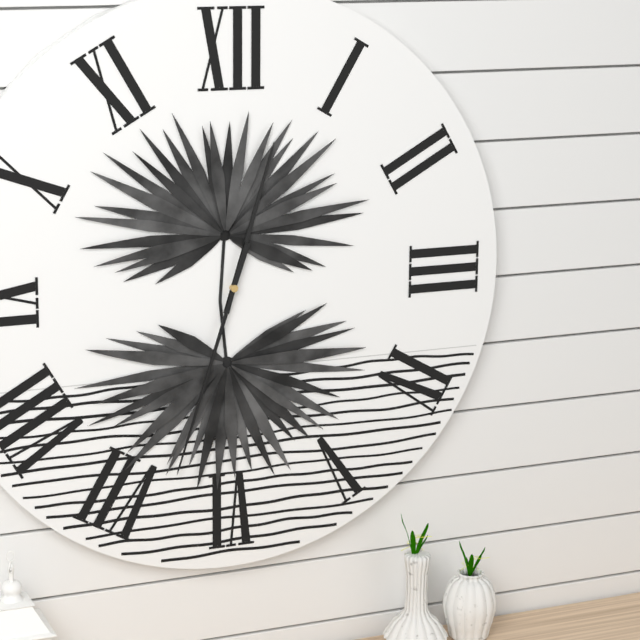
12:33
